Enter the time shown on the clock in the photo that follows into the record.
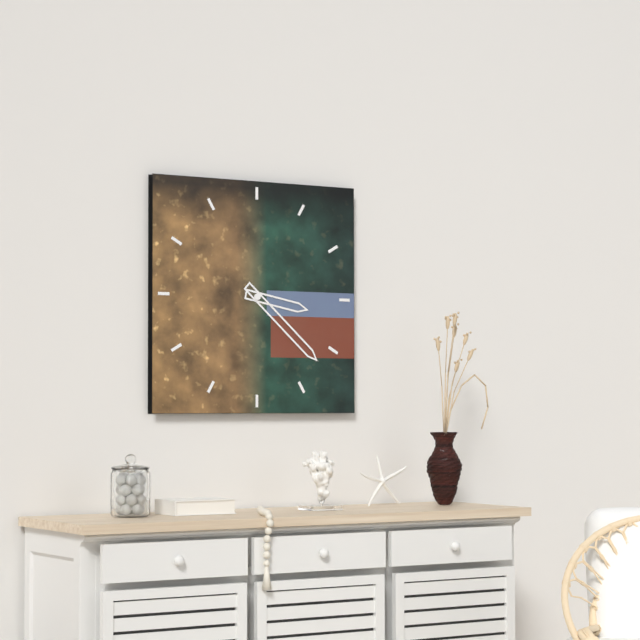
3:22
